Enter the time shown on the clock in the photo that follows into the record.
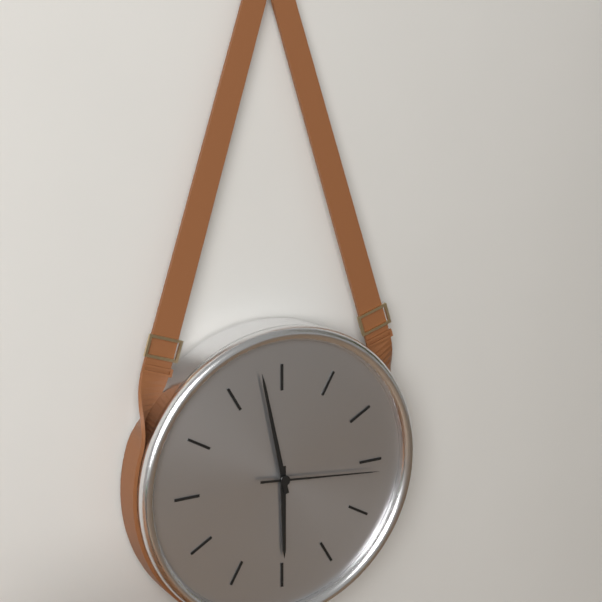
5:58:16
